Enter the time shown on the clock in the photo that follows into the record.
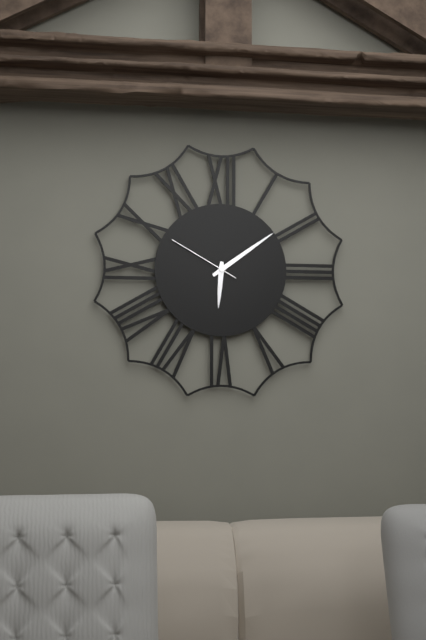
6:09:50
